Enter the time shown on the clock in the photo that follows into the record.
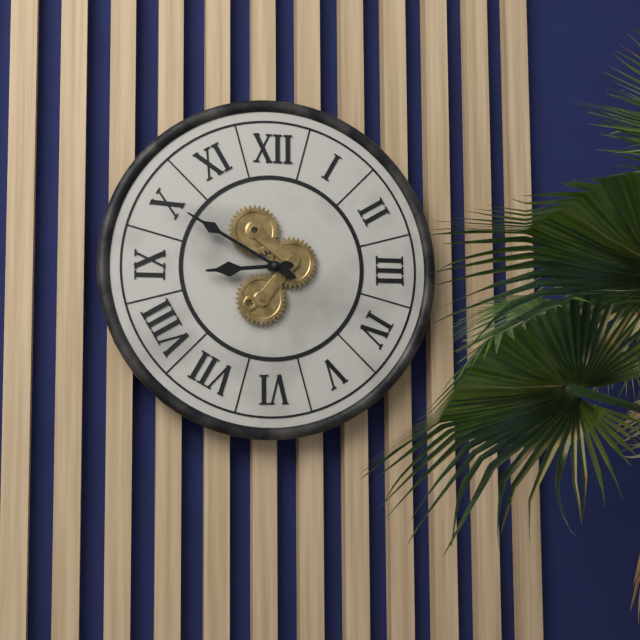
8:50
